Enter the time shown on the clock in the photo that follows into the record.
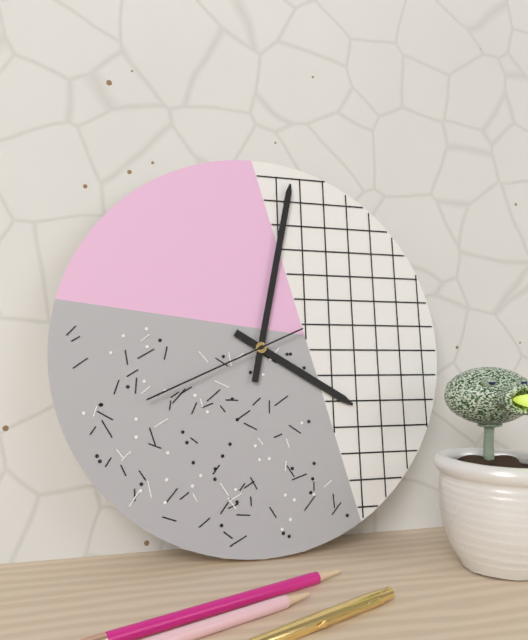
4:02:41
